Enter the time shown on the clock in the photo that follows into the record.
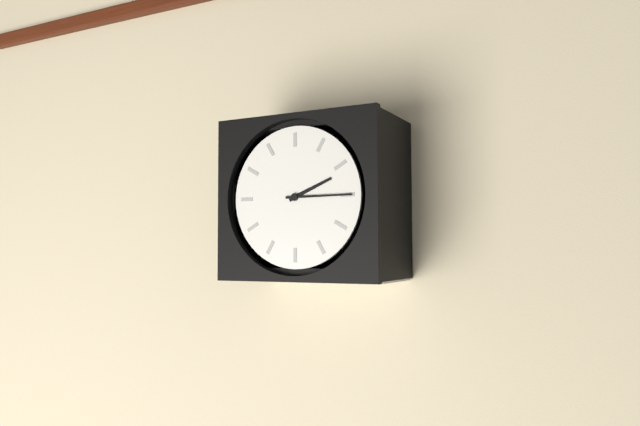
2:15
